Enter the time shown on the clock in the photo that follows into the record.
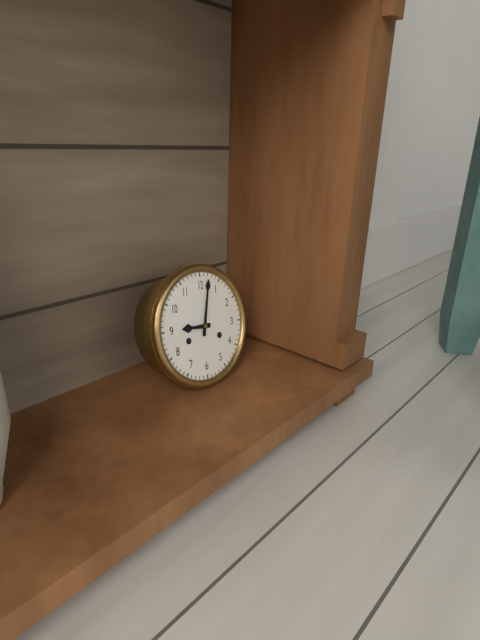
9:02
